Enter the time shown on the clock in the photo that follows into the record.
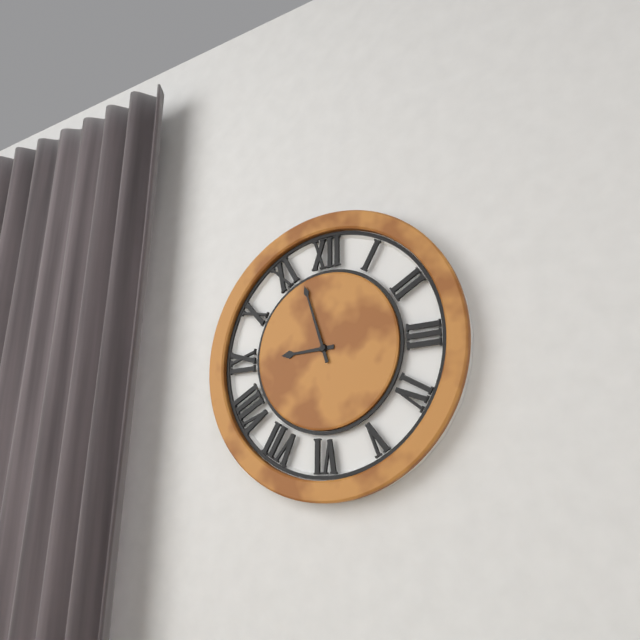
8:57
